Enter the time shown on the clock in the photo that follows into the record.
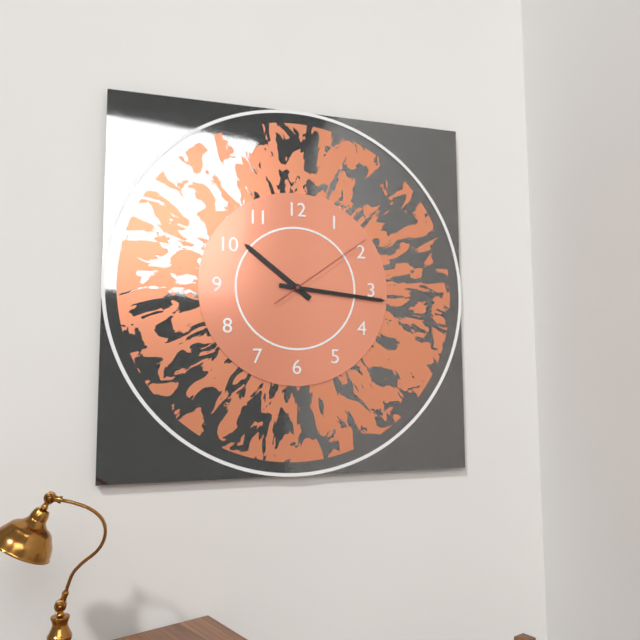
10:16:09
